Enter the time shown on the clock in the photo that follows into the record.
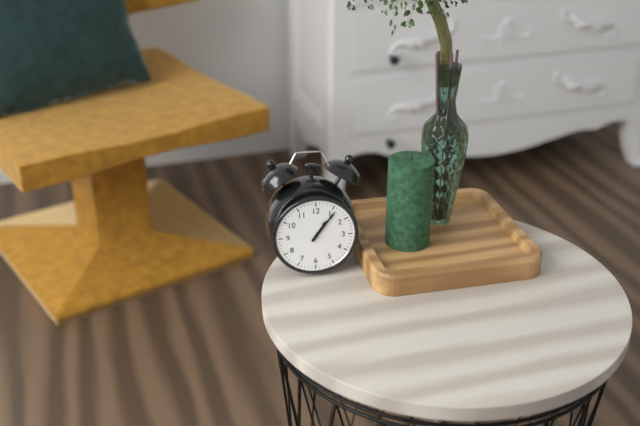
1:06
